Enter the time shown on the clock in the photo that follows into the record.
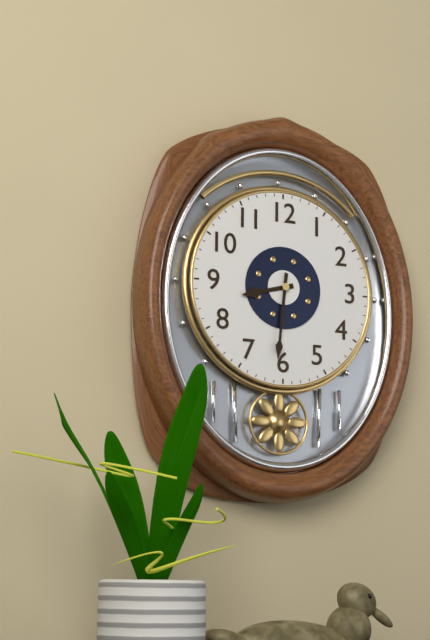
8:31
